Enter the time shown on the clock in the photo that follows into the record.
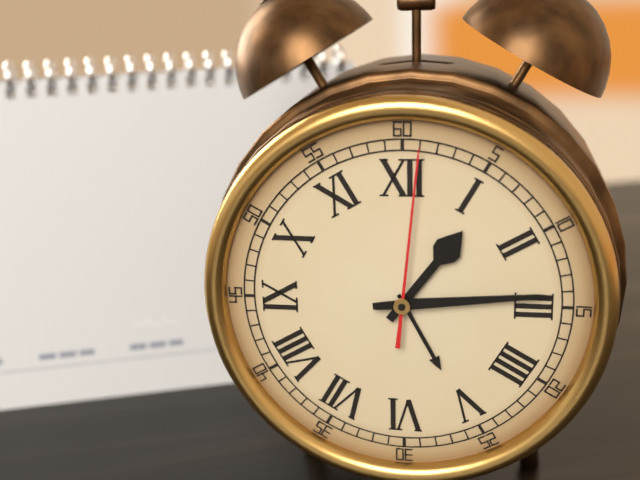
1:14:01
